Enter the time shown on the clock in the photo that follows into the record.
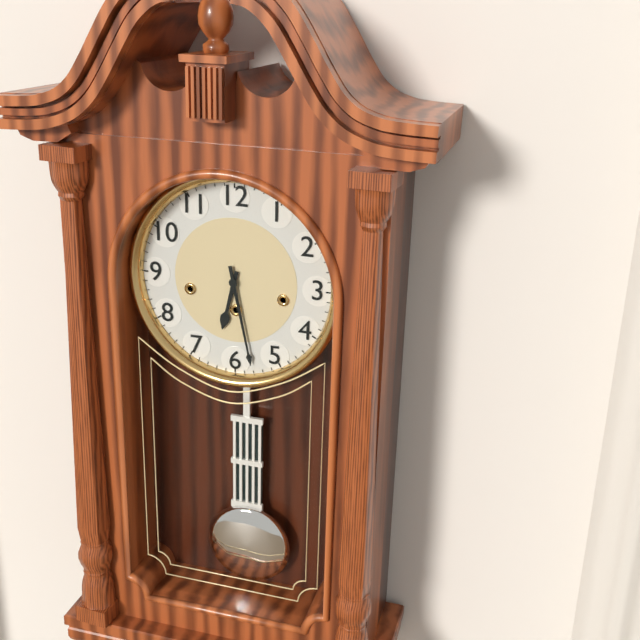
6:28
